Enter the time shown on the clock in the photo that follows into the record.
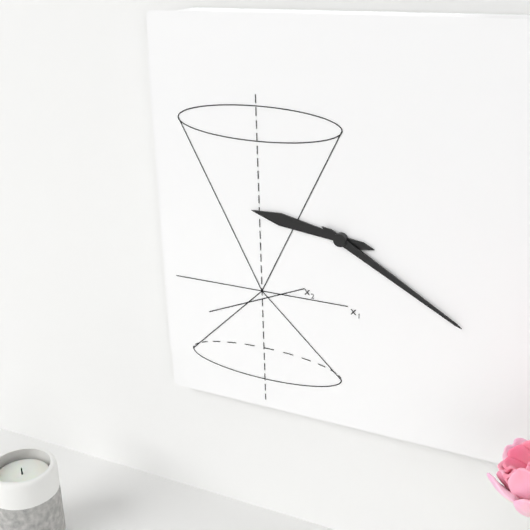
9:20
